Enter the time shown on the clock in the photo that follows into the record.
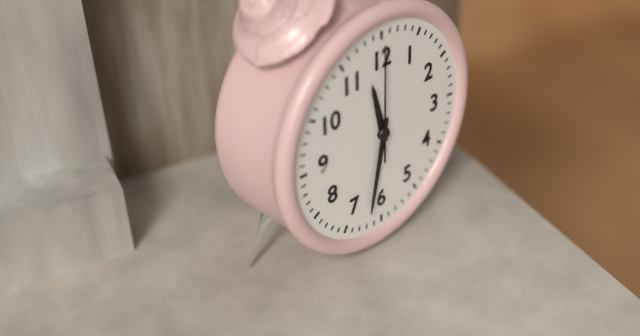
11:32:00
